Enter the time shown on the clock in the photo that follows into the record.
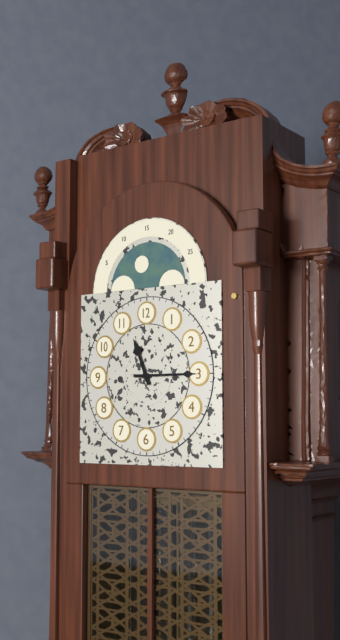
11:15
